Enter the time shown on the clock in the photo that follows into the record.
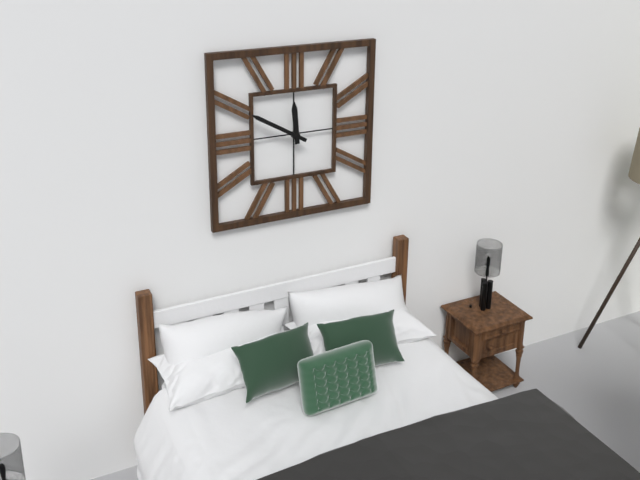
11:50
